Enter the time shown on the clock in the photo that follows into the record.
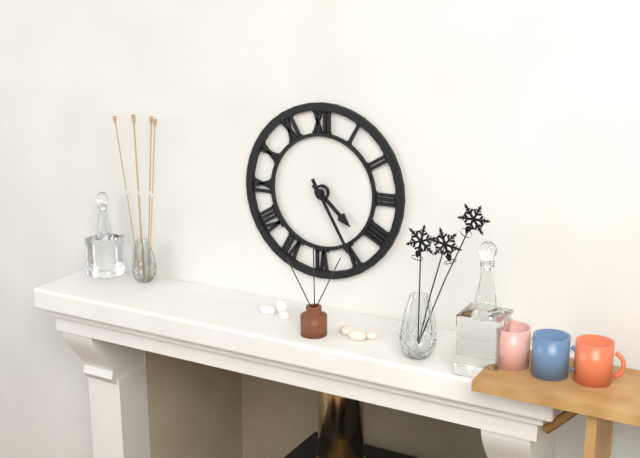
4:25
